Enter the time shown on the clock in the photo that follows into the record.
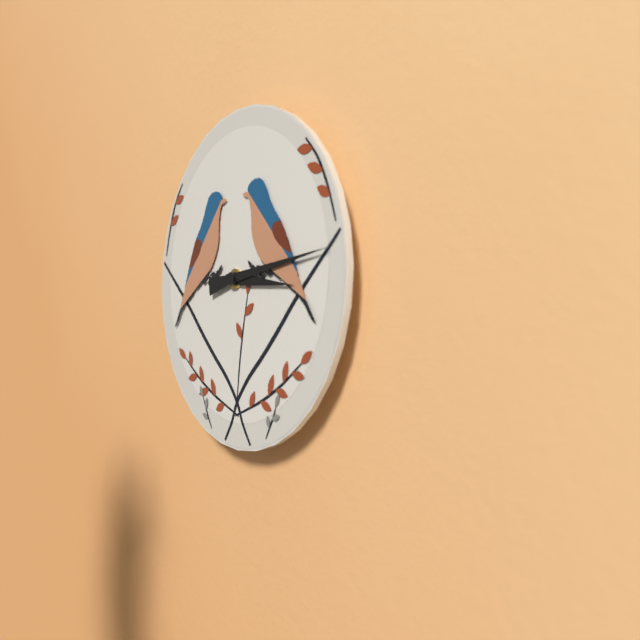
3:14
